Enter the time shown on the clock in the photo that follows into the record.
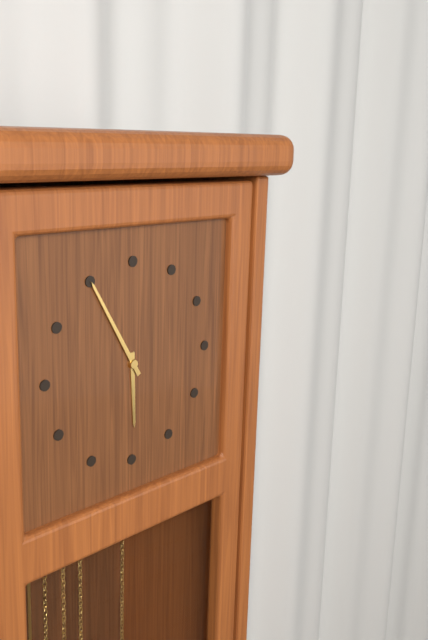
5:55
